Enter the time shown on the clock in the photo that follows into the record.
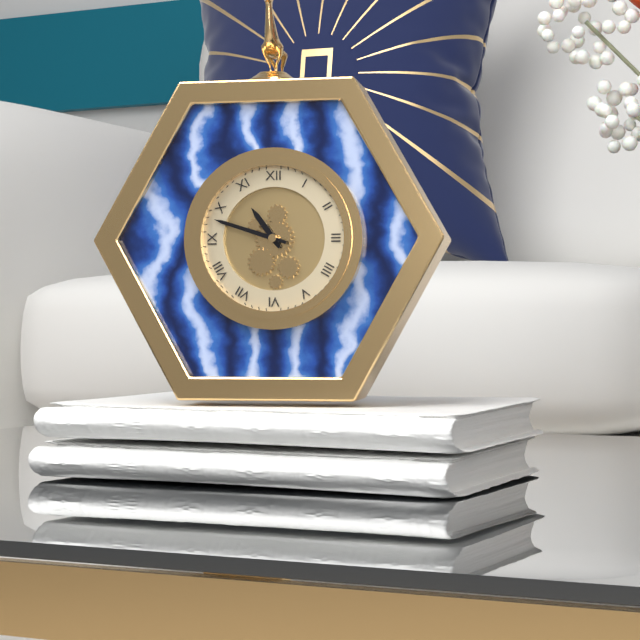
10:48
